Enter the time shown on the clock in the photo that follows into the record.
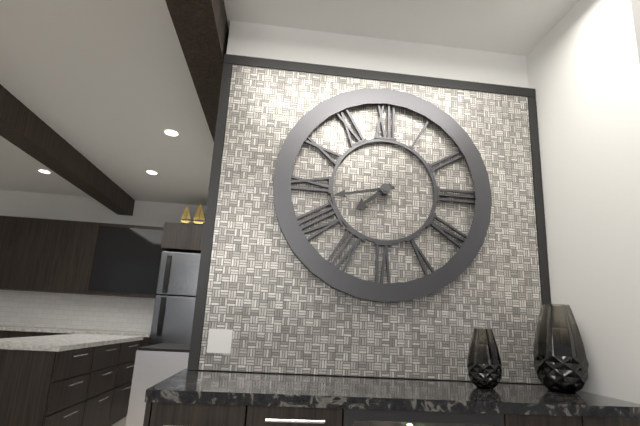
7:43
